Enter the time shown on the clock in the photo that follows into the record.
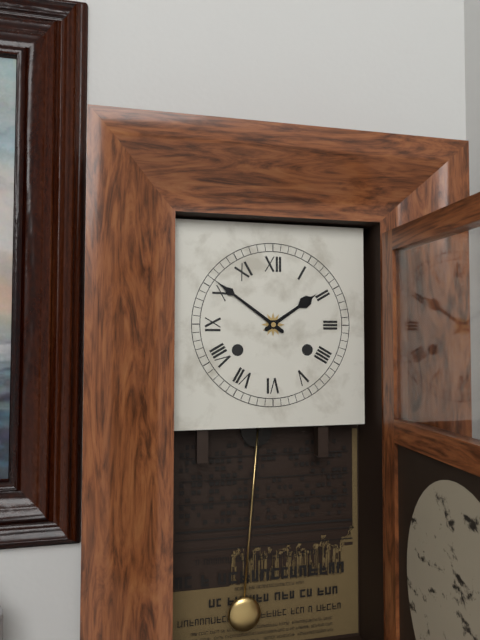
1:51
